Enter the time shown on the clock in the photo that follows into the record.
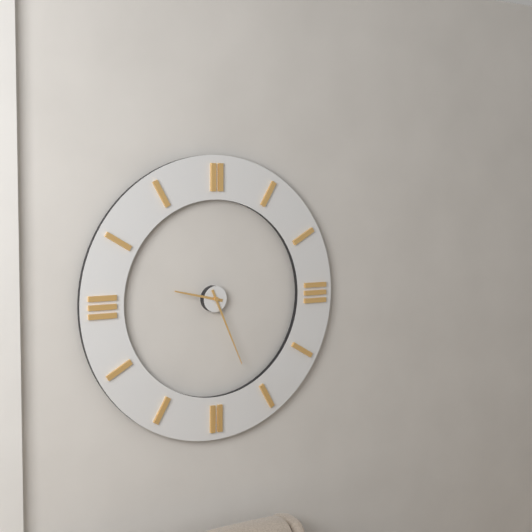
9:26
